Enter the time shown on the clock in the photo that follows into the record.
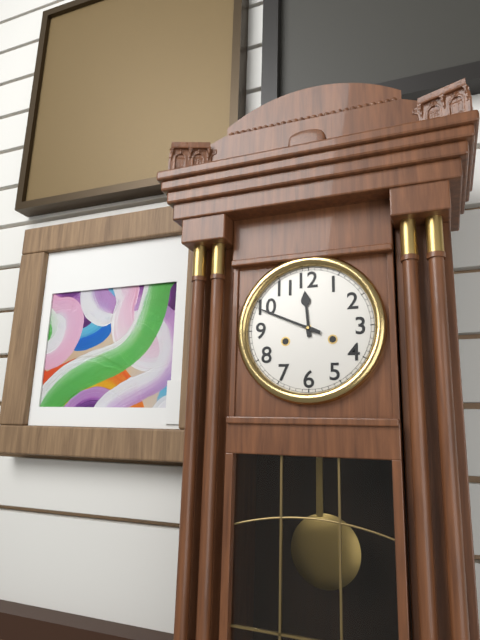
11:49
